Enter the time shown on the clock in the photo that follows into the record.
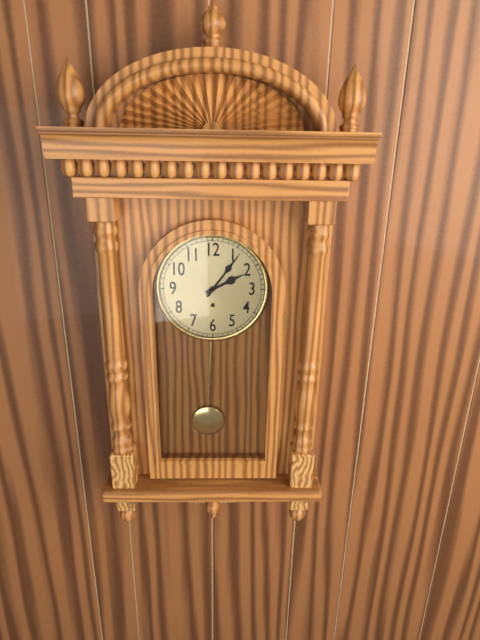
2:06
